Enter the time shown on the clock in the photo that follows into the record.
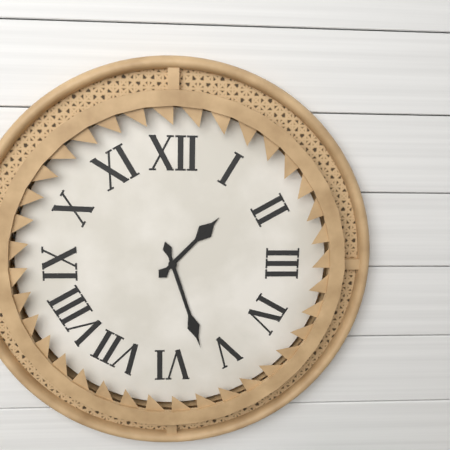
1:27
